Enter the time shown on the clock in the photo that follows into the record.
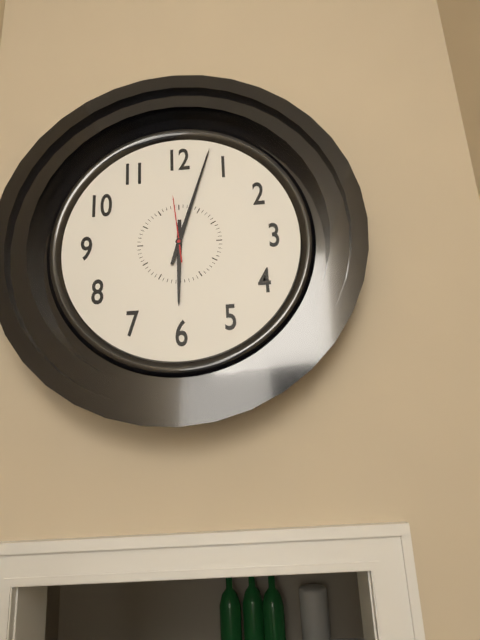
6:03:59
